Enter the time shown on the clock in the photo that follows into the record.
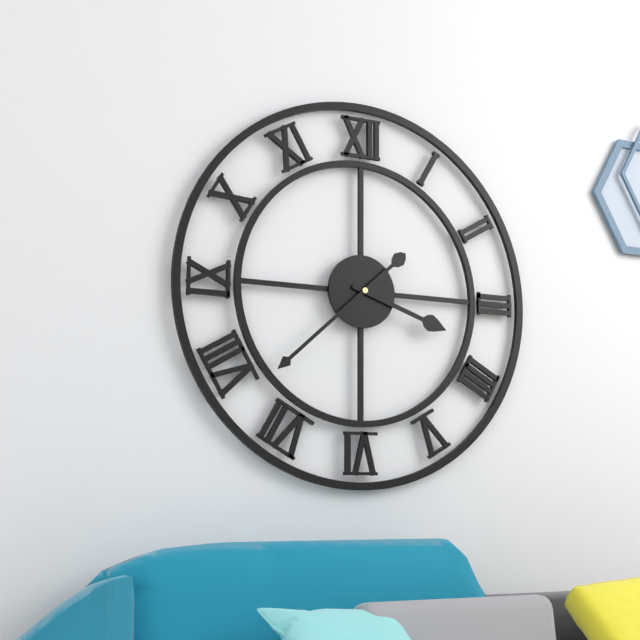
3:38
